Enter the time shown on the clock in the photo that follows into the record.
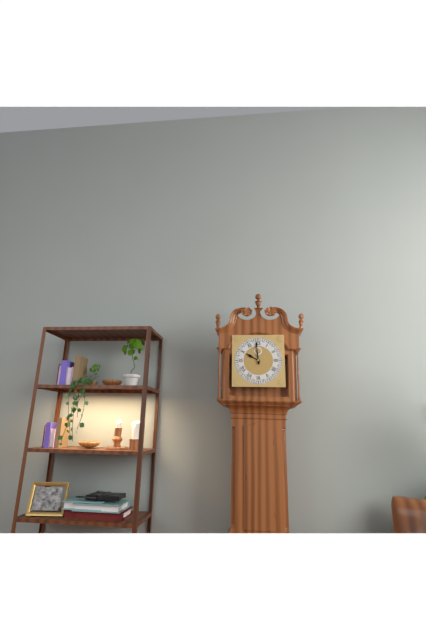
9:59
